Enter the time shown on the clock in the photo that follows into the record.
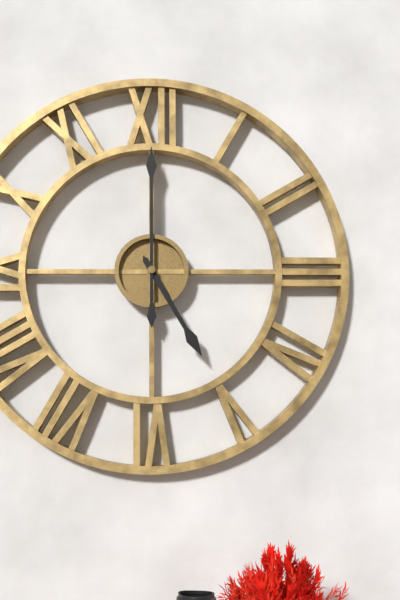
5:00
